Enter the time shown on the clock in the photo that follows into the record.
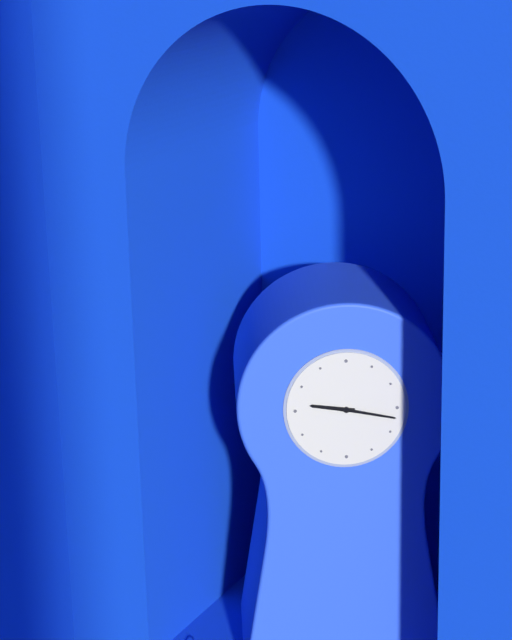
9:17
